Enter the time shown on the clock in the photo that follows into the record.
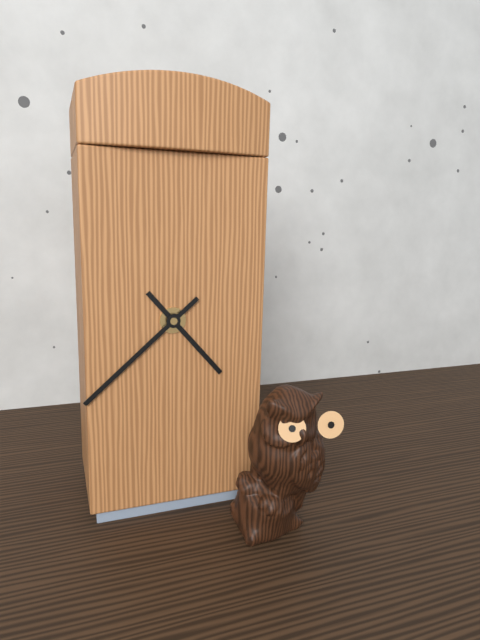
4:38
